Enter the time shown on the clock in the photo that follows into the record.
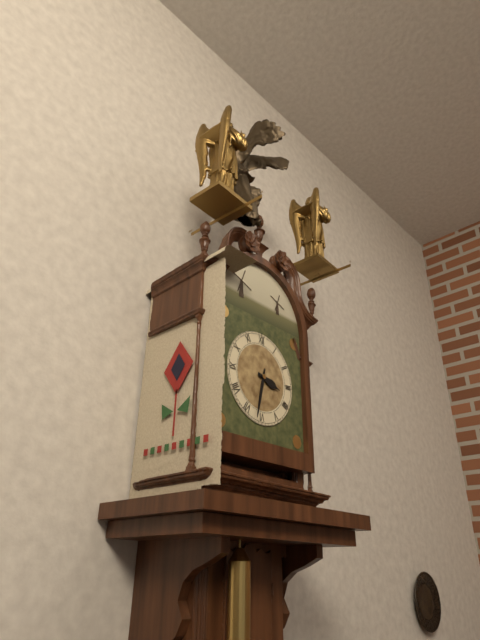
3:32
